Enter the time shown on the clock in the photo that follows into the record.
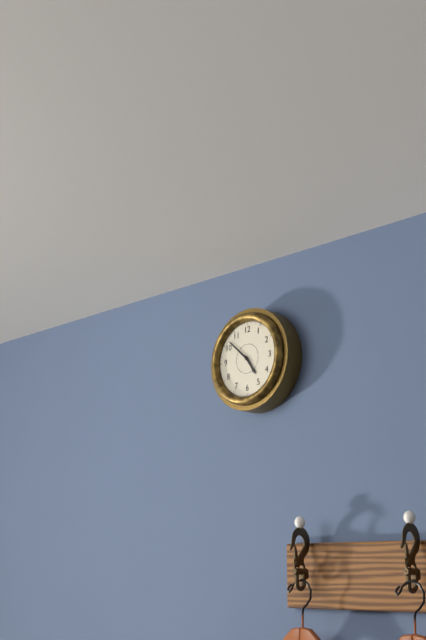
4:52
